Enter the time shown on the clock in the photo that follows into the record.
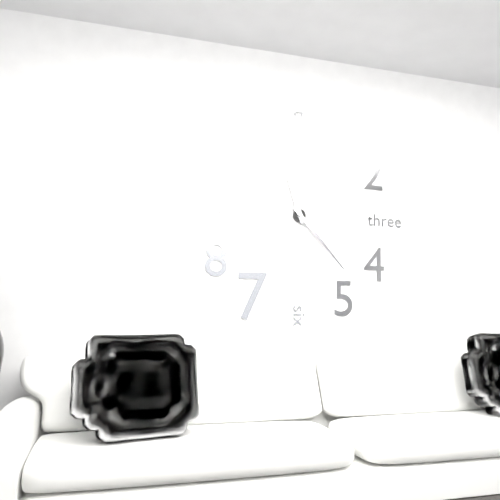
11:23
